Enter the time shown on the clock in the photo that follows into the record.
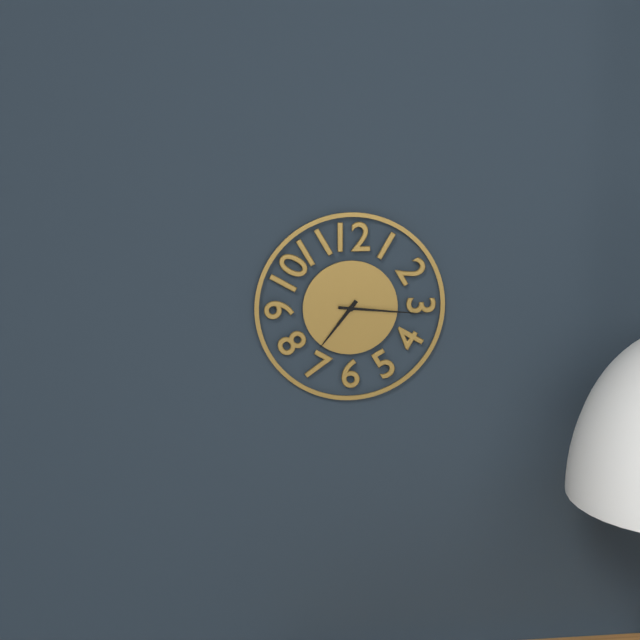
7:16
